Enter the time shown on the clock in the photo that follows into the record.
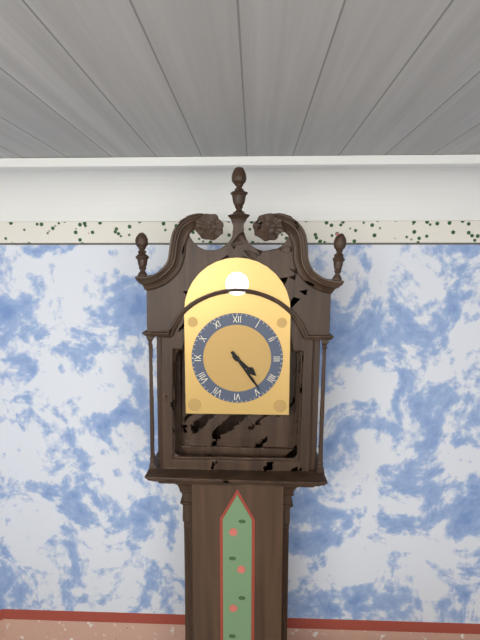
4:24
